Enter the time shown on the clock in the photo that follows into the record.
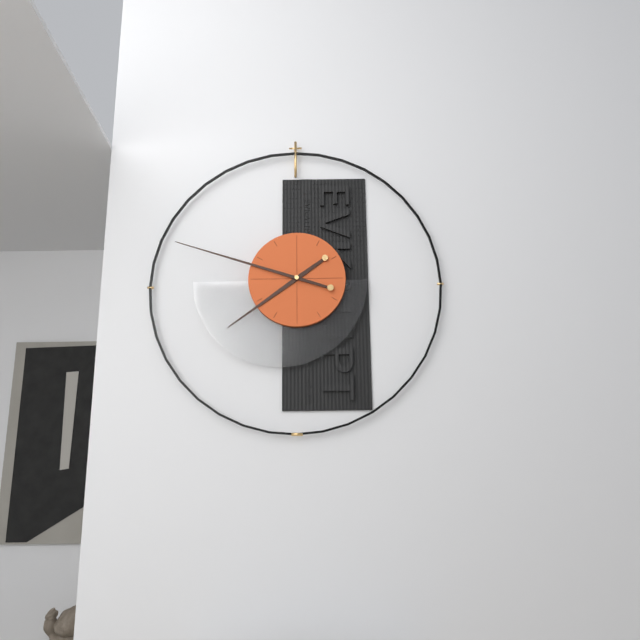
7:48
